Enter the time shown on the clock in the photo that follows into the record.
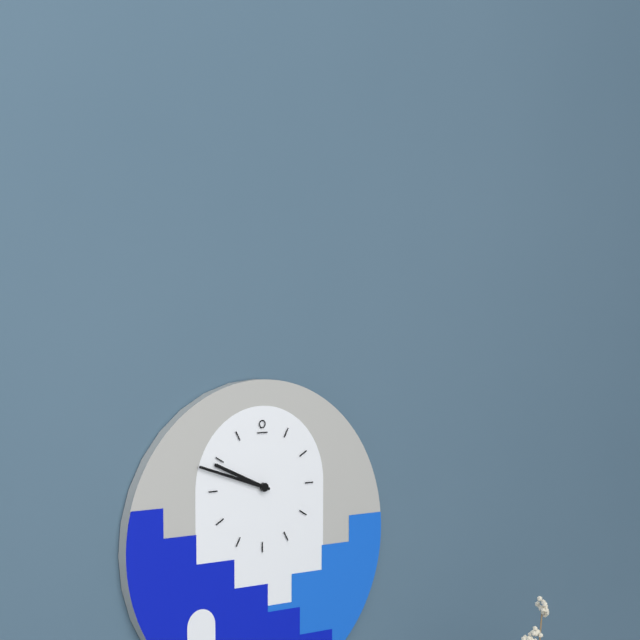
9:48
